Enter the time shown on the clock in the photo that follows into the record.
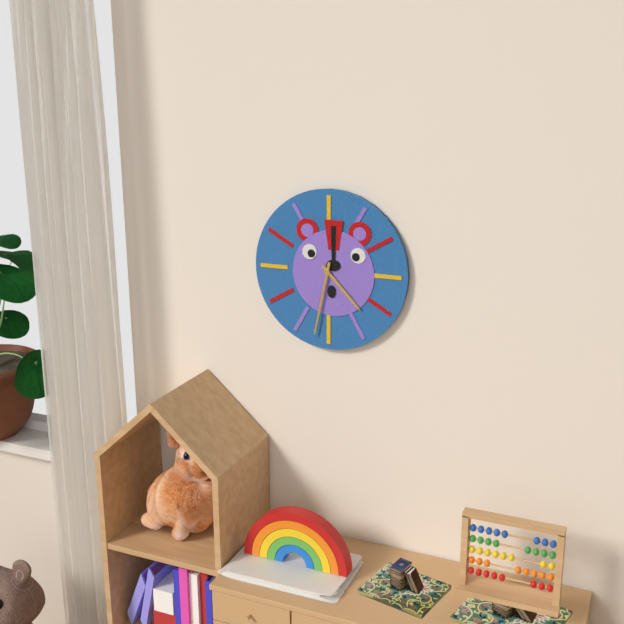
4:32
